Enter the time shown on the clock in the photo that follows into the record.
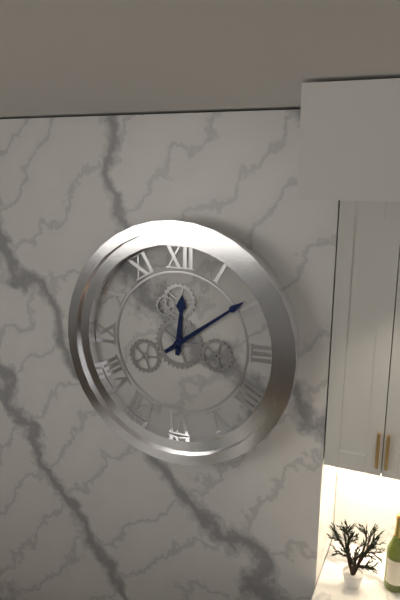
12:09
